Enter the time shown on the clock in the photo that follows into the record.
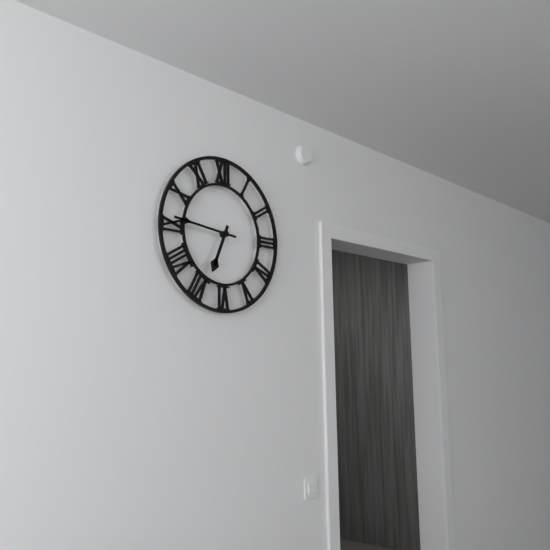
6:46
